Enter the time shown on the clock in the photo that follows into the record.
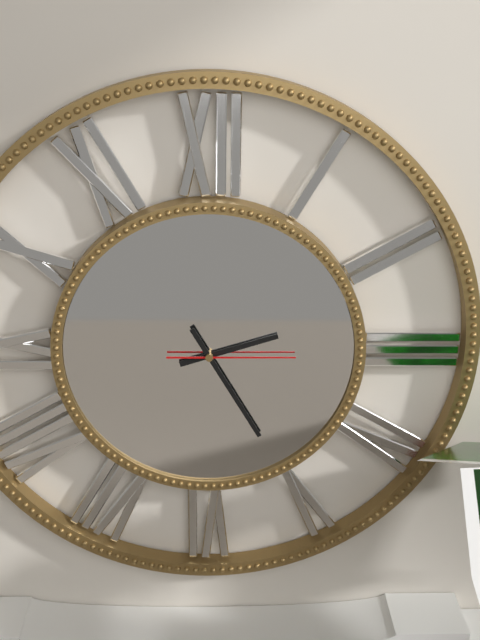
2:25:15
